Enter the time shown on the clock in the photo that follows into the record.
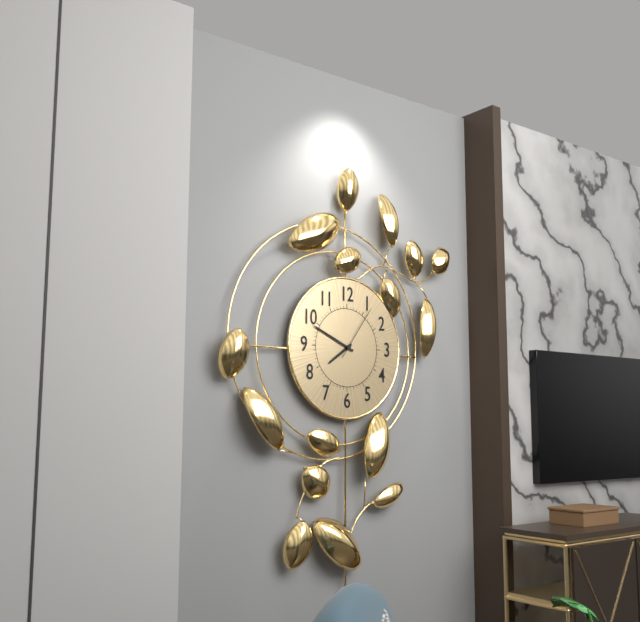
7:49:06
